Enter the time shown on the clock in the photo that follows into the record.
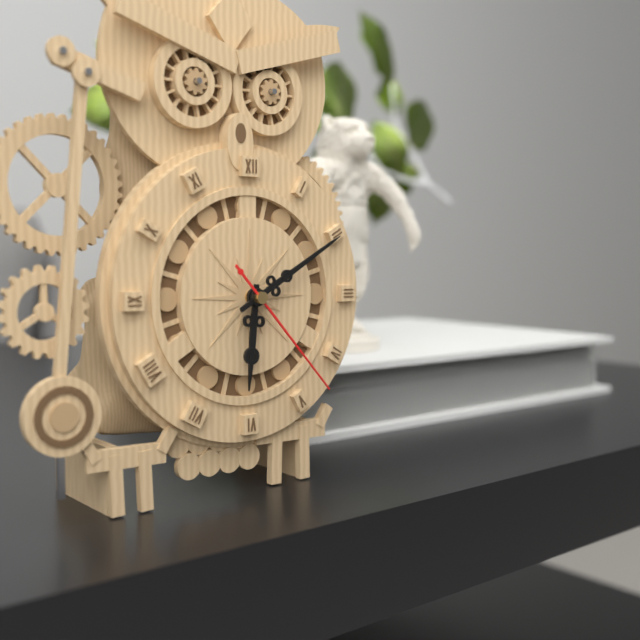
6:10:23
